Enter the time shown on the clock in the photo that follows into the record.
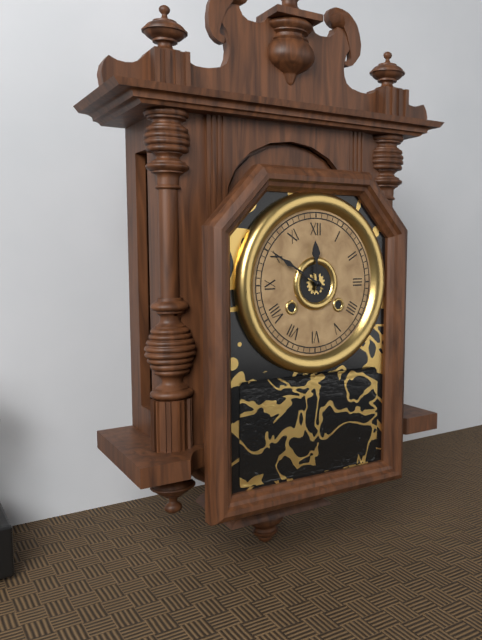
11:50
